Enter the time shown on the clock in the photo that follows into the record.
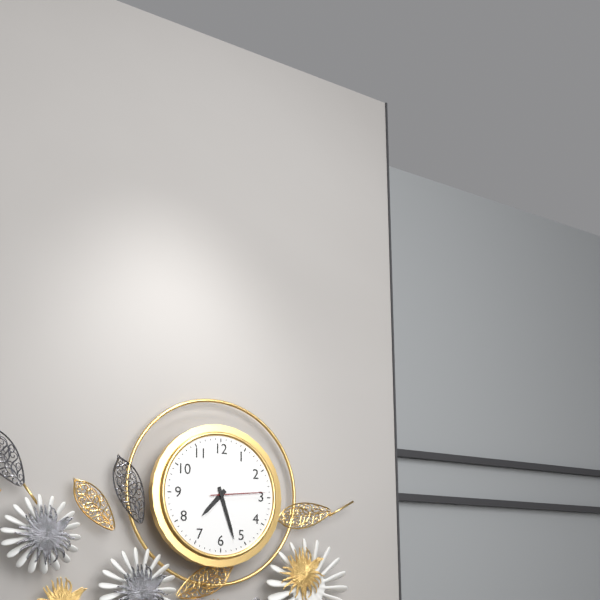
7:27:14
